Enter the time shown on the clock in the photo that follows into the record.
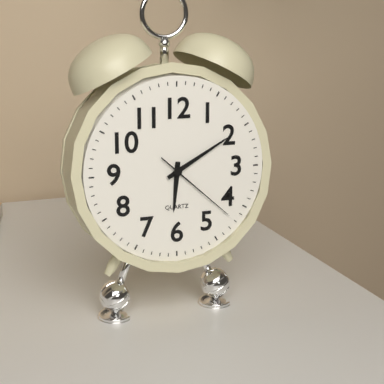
6:10:22
